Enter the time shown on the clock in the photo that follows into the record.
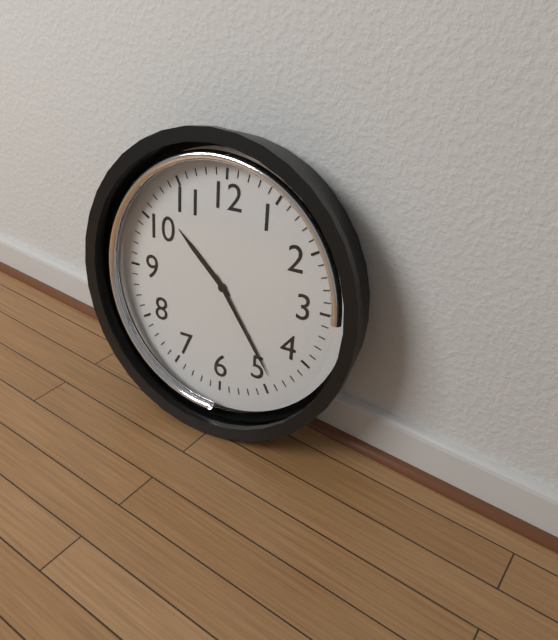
10:24
